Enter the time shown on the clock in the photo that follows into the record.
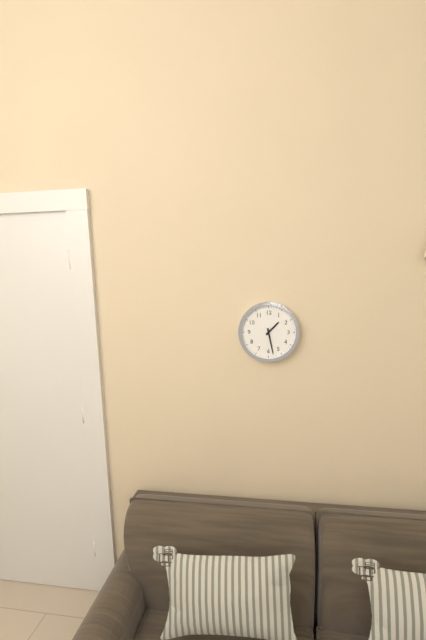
1:28
